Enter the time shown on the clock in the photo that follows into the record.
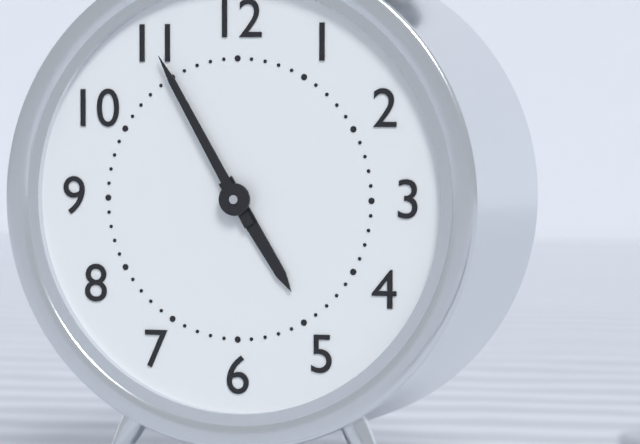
4:55
